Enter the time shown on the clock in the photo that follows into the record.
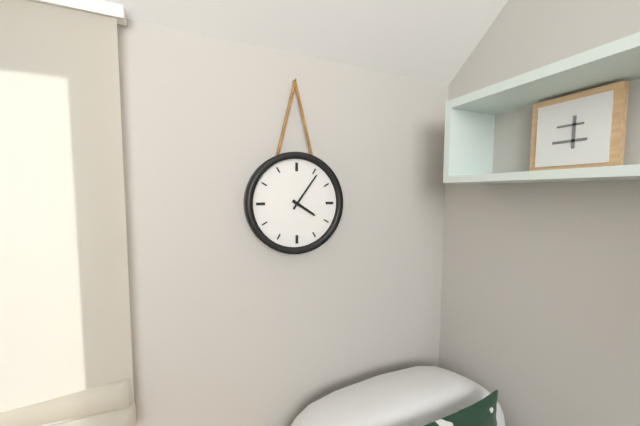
4:06
